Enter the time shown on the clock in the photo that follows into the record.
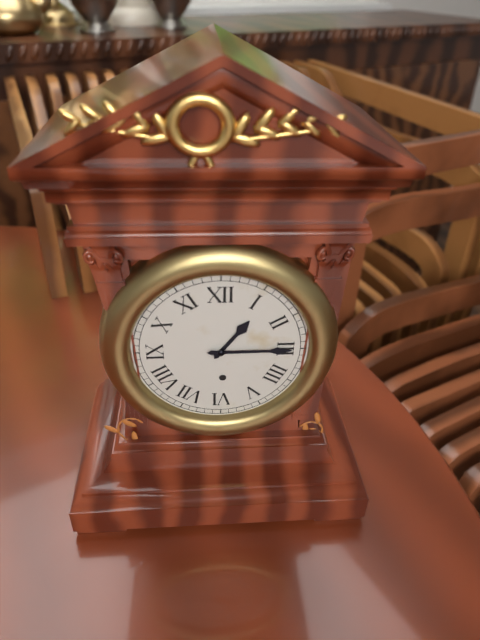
1:15
